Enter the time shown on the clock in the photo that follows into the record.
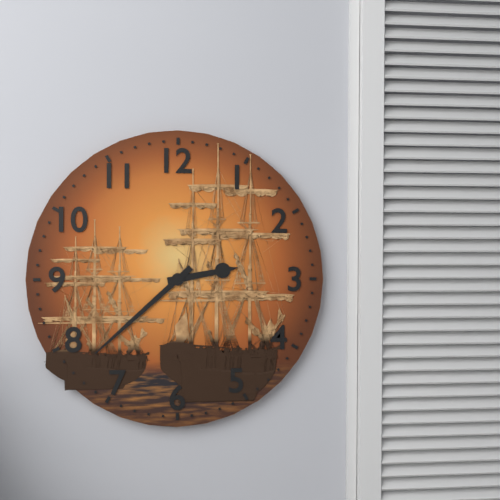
2:38
